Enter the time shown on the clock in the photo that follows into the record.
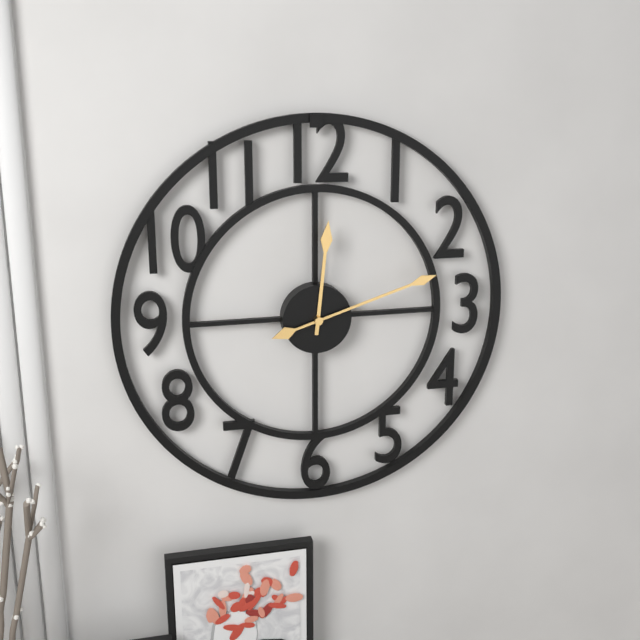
12:12
